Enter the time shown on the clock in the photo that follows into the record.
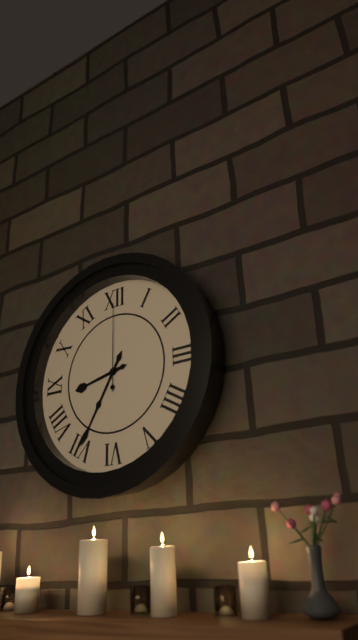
8:35:00
